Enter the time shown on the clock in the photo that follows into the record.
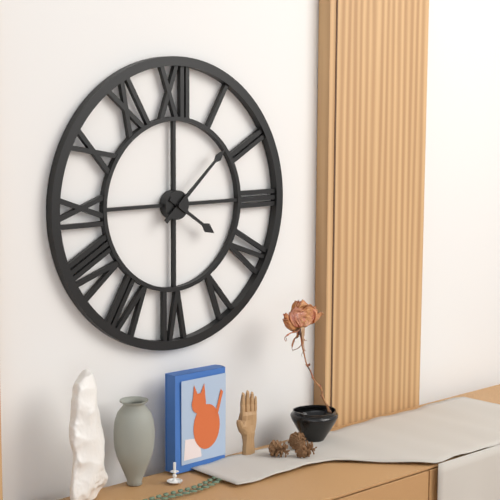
4:08
